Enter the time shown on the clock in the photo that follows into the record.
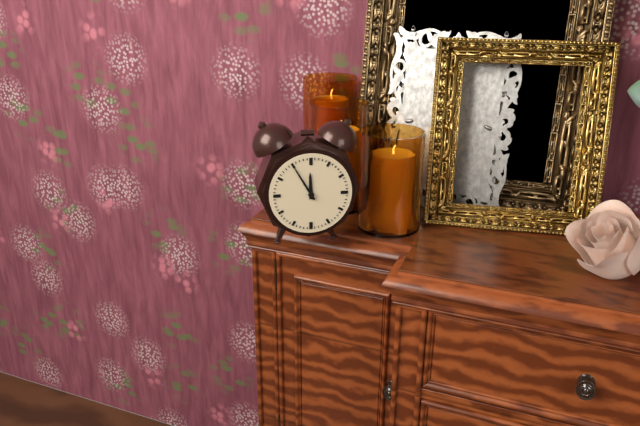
11:55
